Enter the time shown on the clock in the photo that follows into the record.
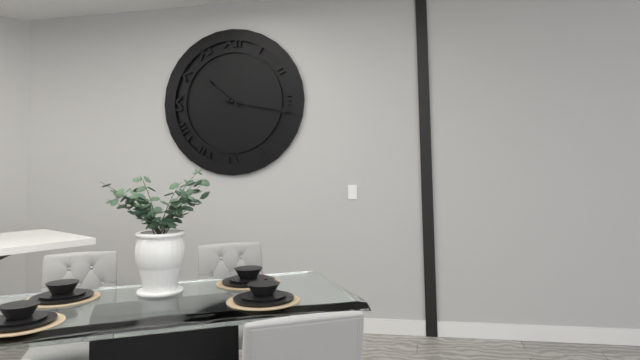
10:17:17
